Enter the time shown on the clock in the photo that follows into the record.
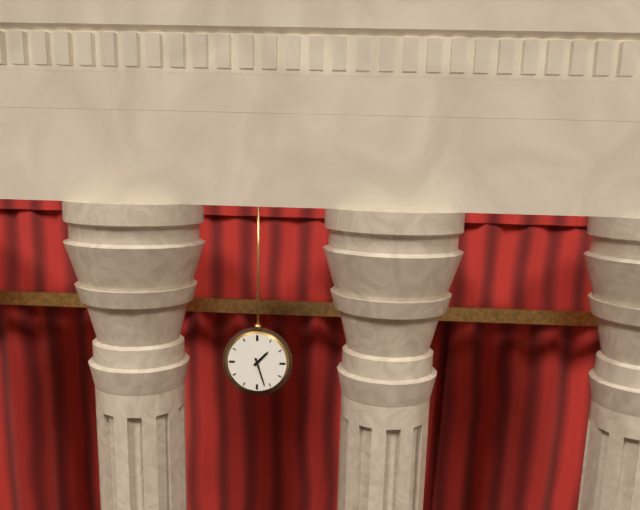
1:27
